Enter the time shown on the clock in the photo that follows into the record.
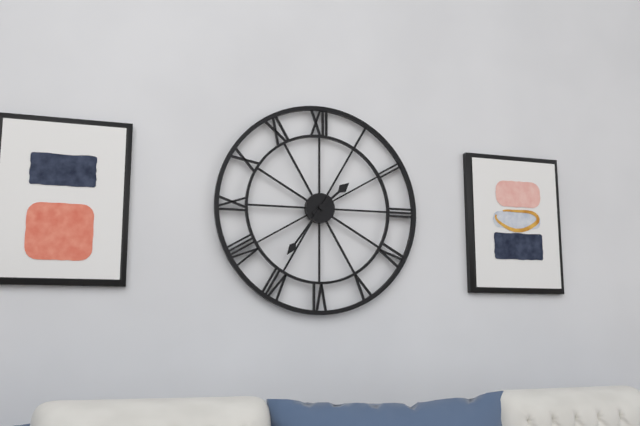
1:36
